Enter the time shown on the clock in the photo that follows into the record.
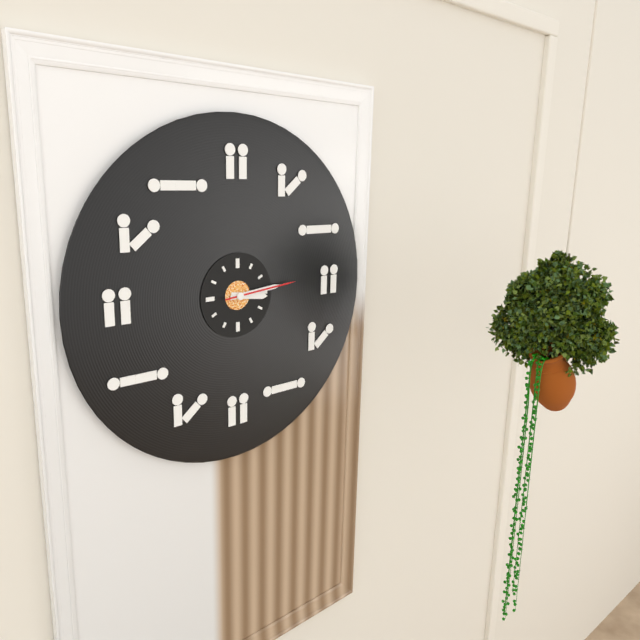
3:14:14
